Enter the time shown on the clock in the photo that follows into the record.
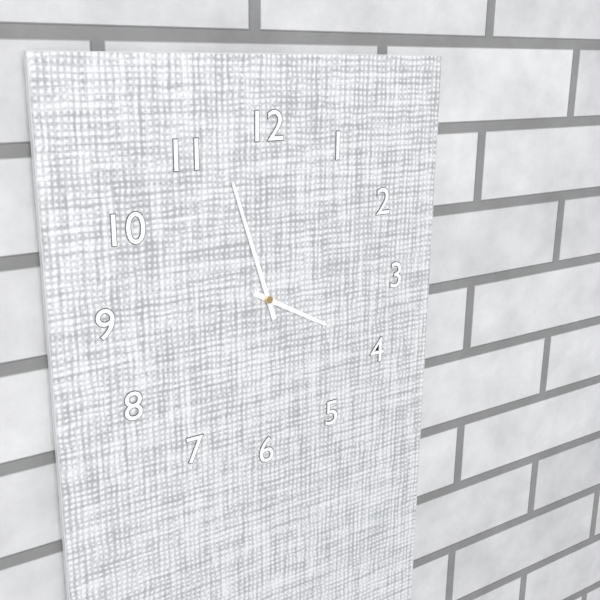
3:57
